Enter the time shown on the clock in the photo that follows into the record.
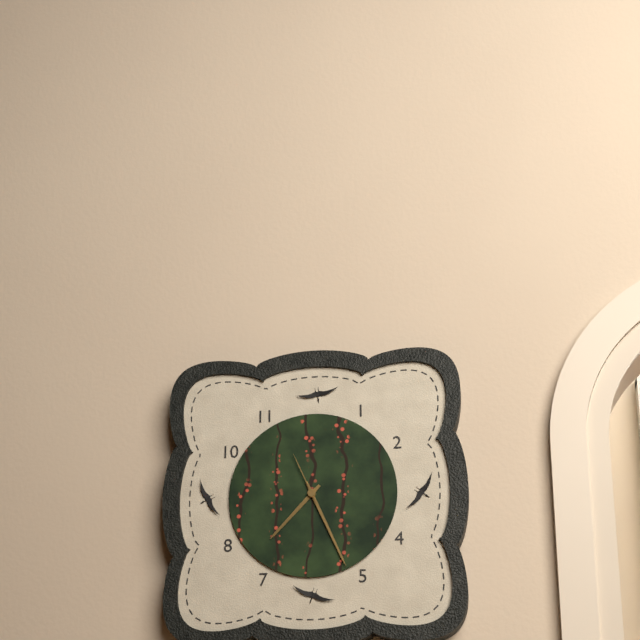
7:26:56
